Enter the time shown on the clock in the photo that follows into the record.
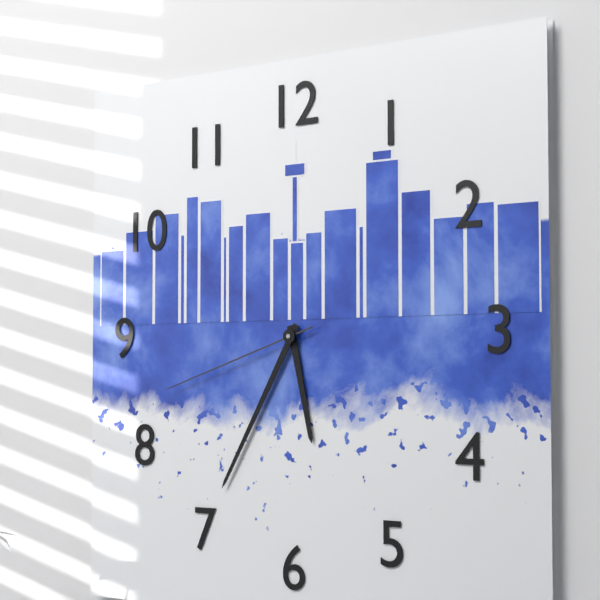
5:35:42
